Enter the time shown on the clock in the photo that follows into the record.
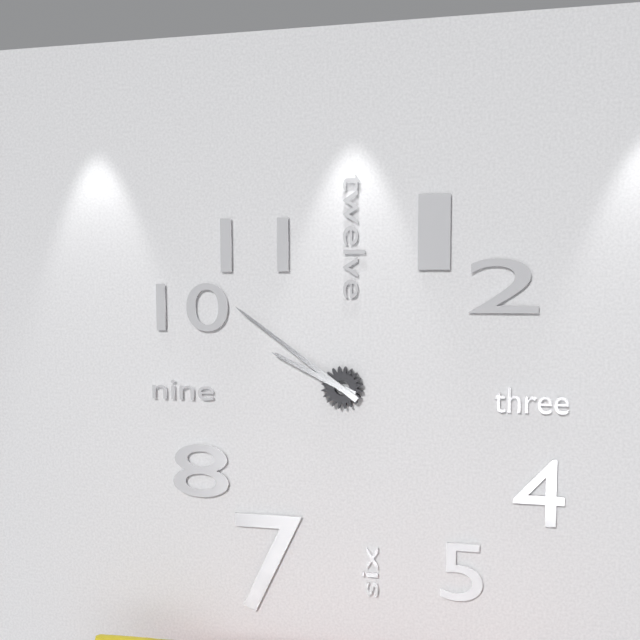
9:51
